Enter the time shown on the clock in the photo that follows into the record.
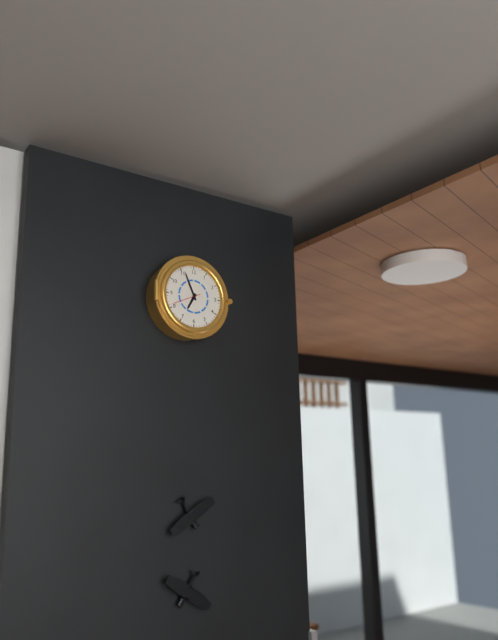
6:56
